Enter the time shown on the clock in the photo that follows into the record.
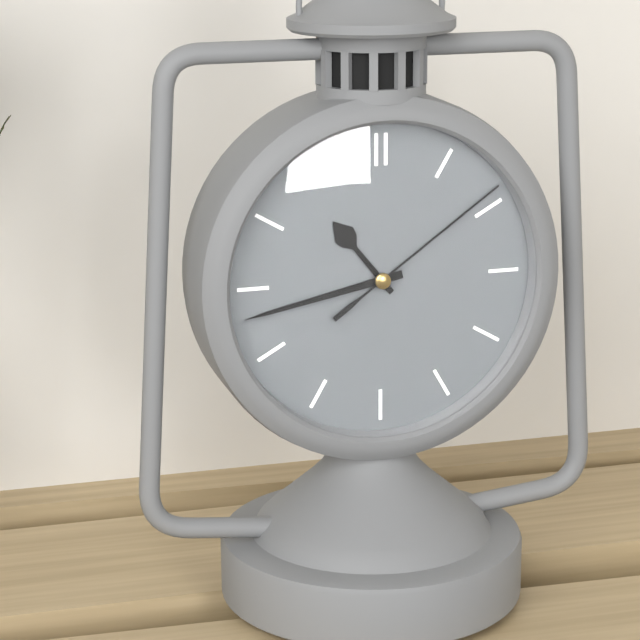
10:43:09
